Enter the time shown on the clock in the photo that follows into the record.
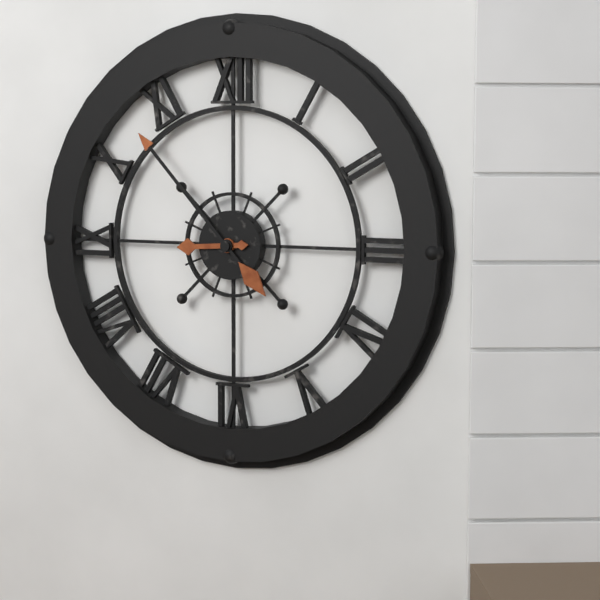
8:53
